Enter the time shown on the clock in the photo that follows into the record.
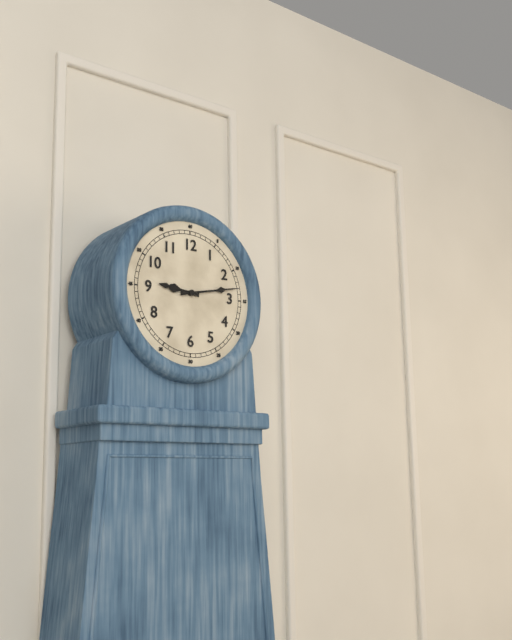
9:13
